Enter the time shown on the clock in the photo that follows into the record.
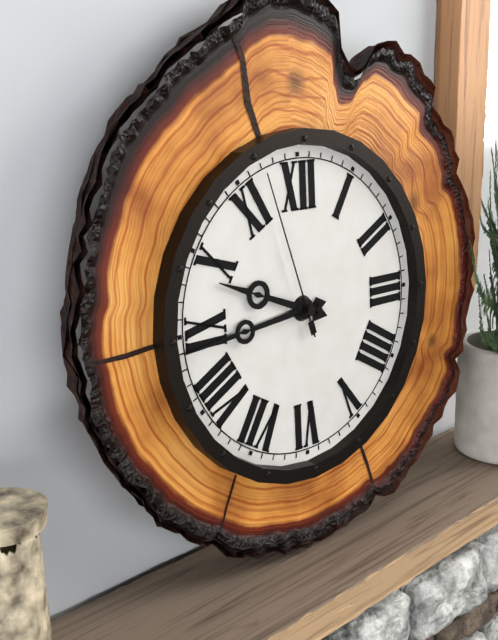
9:44:57
